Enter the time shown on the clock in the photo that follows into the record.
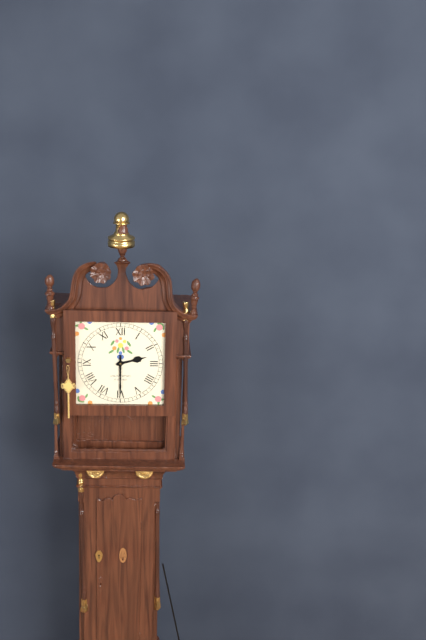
2:30
